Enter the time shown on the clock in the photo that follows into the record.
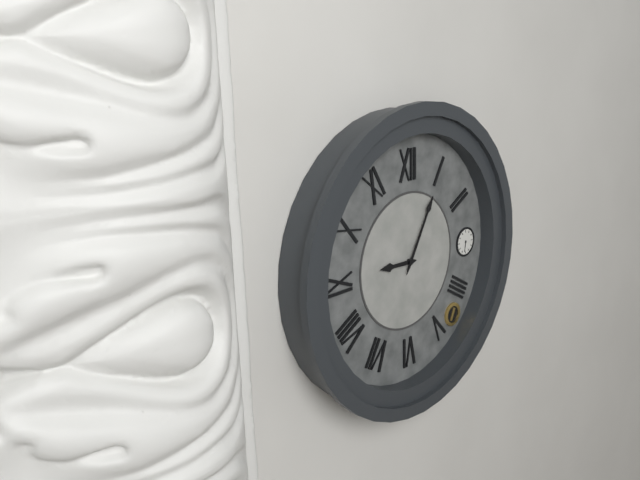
9:05
